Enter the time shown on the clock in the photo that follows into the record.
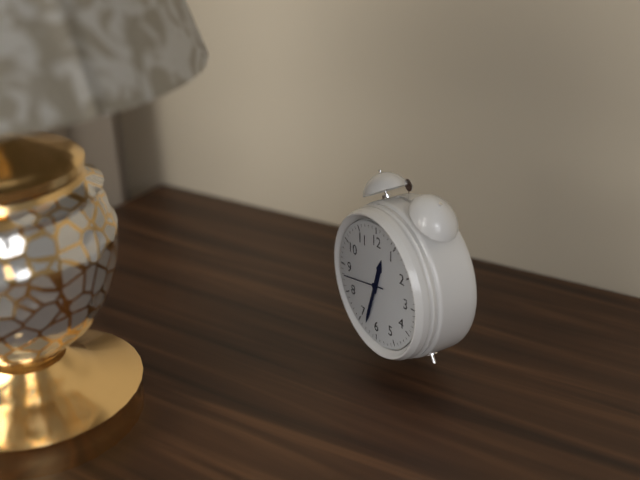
12:33
